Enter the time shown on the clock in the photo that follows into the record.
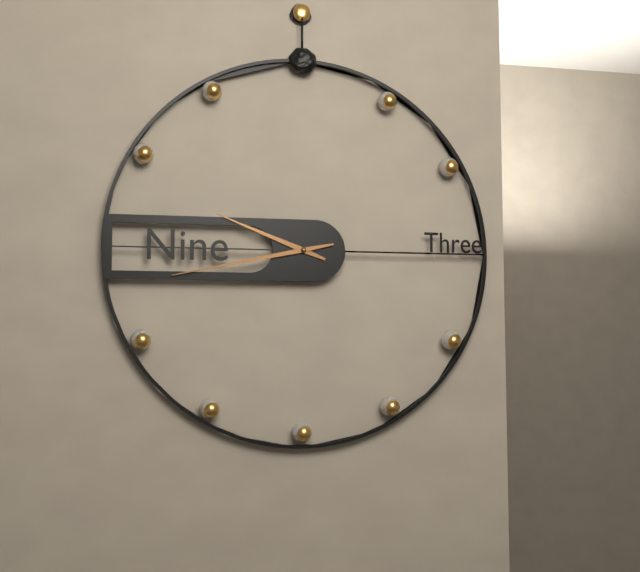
9:43
